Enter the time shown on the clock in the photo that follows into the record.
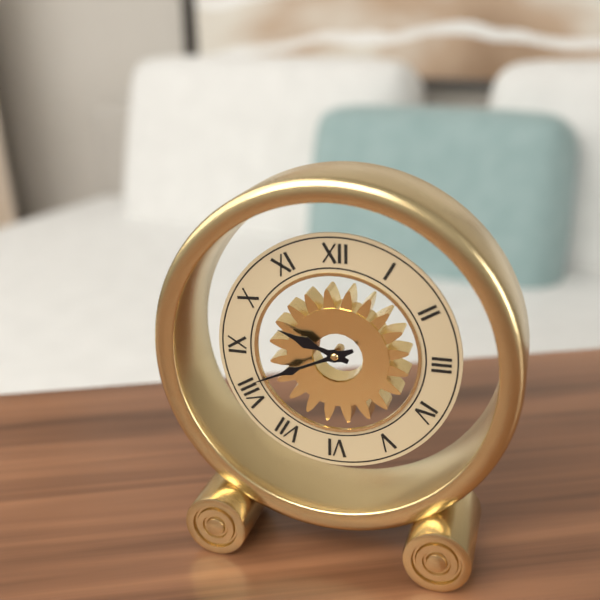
9:41
